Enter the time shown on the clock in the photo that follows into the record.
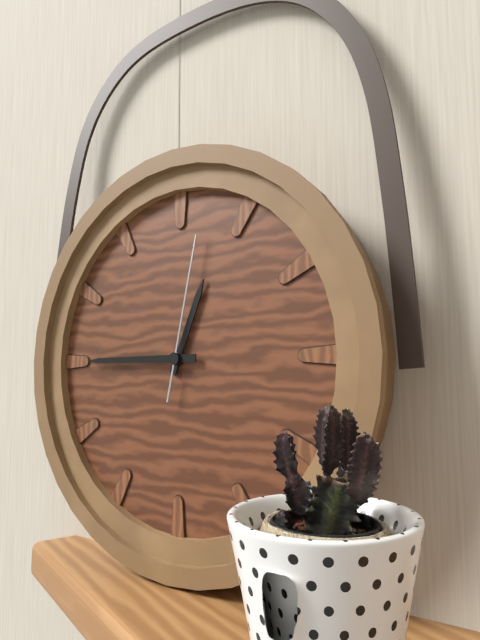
12:45:02
